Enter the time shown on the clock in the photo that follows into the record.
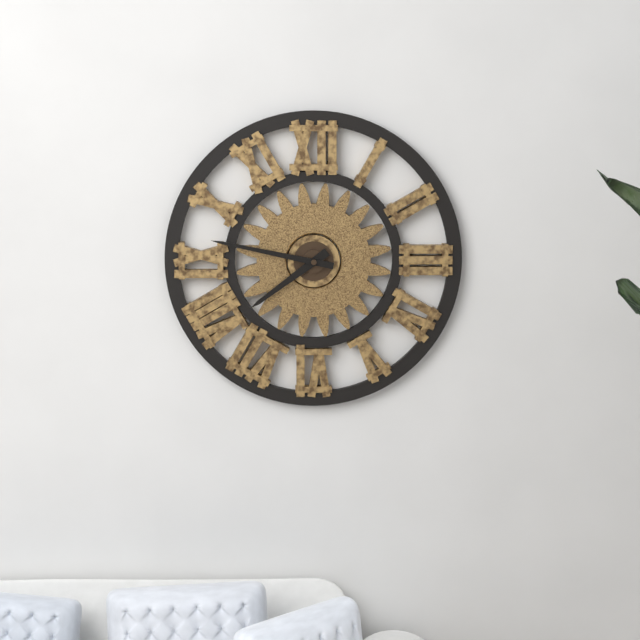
7:47
